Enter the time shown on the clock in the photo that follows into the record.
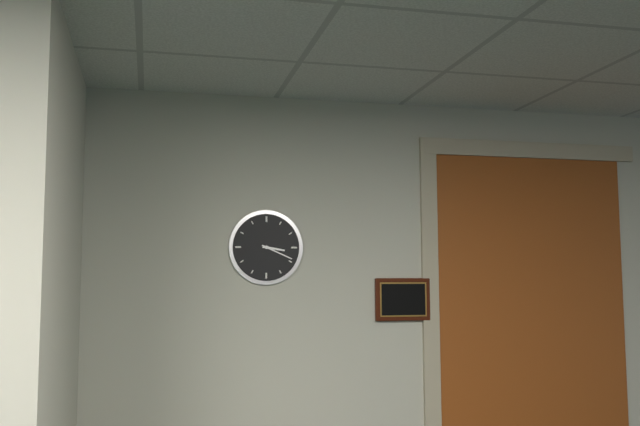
3:19
